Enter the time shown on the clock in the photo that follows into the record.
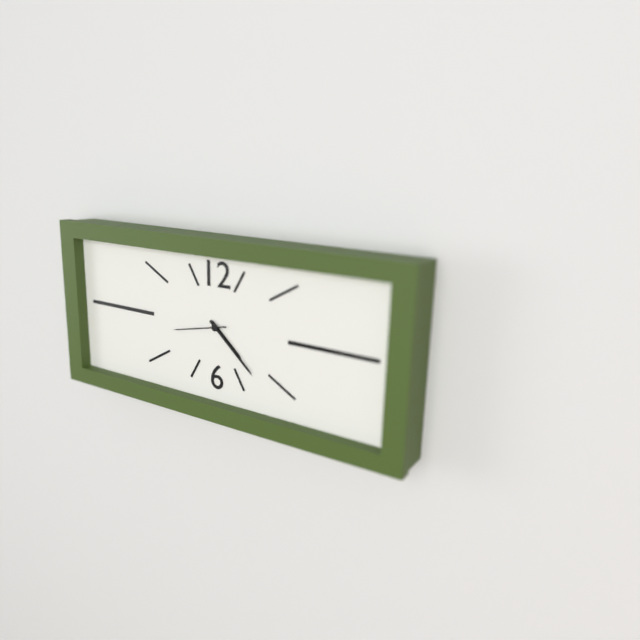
4:22:43
